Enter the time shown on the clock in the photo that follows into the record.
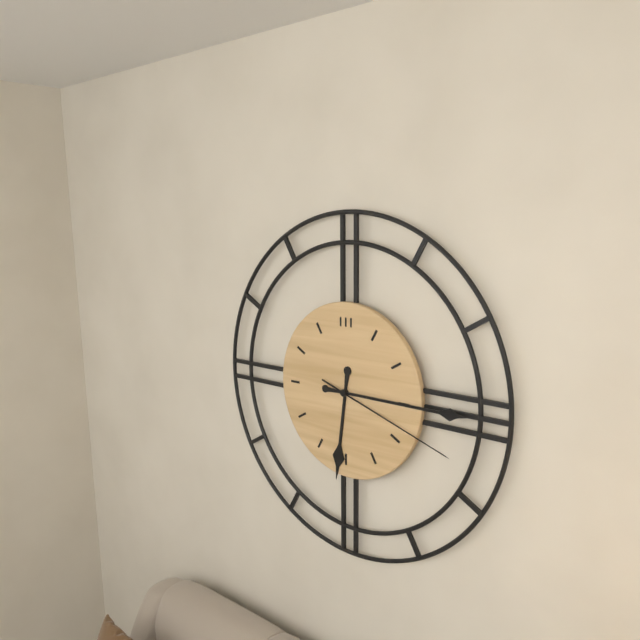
6:15:18
